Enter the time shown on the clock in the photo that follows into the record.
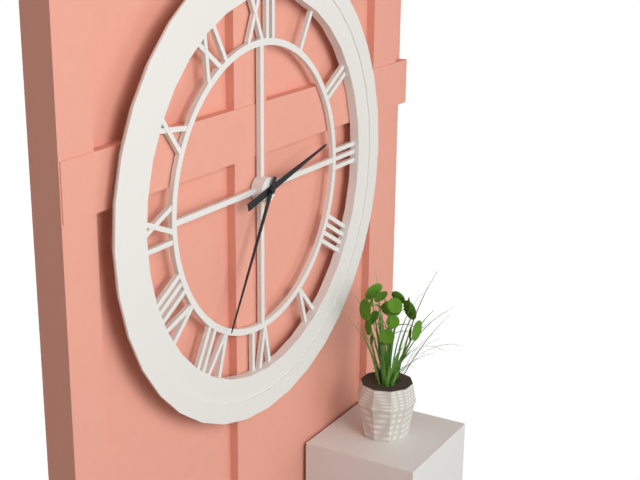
2:35
